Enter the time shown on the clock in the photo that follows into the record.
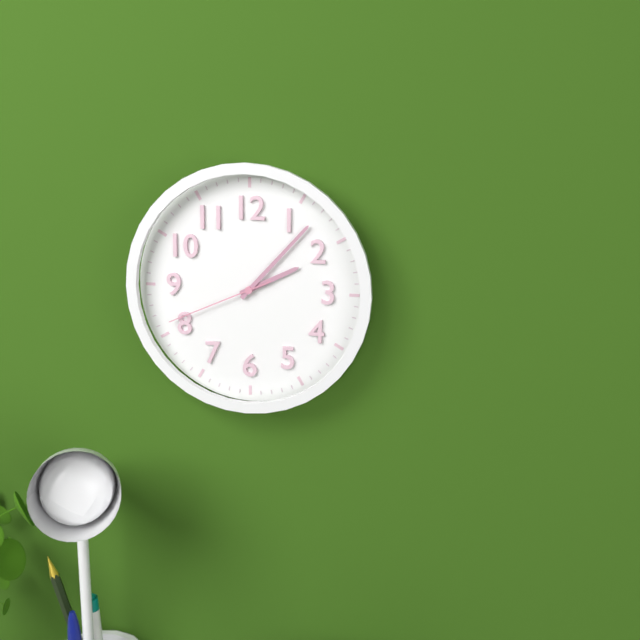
2:07:41
